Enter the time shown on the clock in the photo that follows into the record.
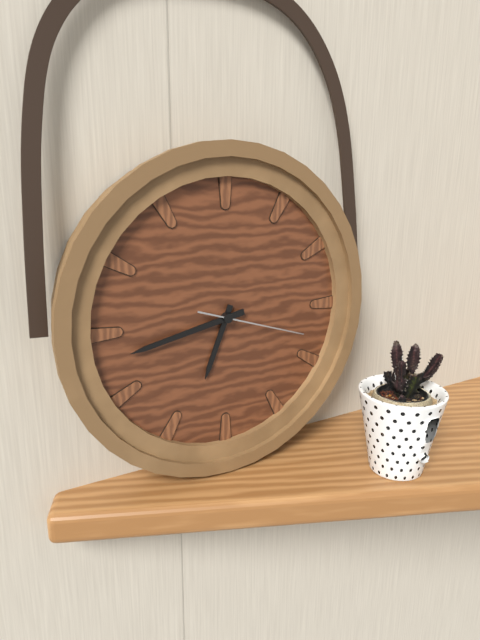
6:43:18
